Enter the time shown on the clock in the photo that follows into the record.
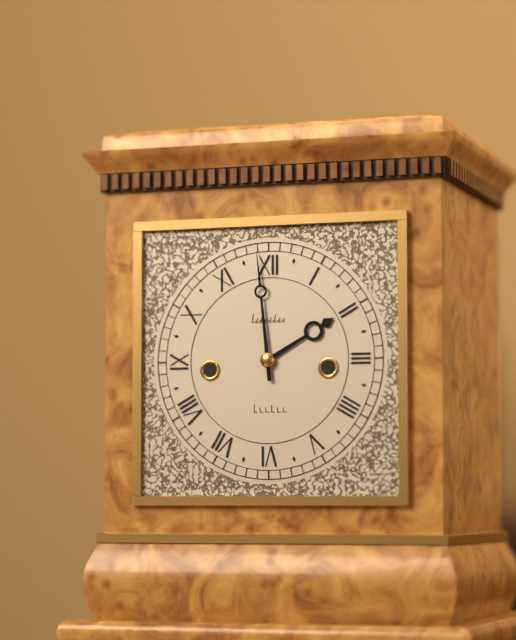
1:59
